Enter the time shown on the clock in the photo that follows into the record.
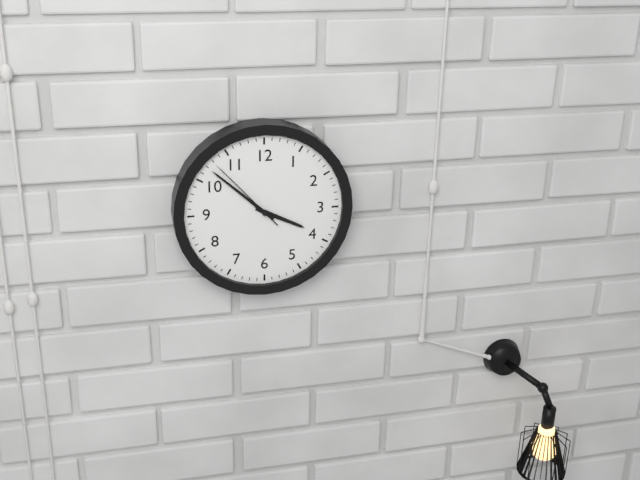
3:52:53
